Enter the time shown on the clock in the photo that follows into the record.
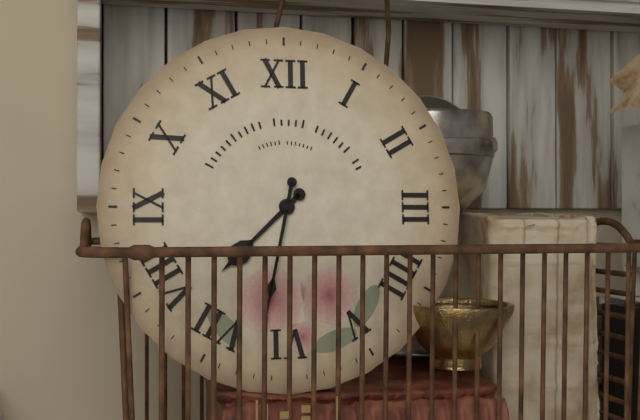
7:32
